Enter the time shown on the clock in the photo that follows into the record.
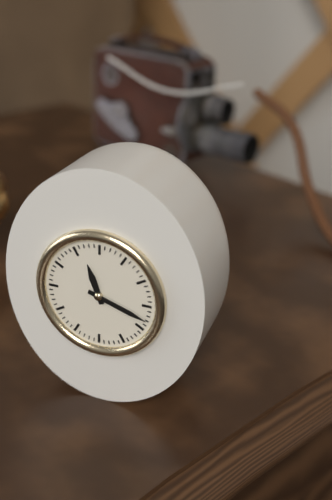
11:18
